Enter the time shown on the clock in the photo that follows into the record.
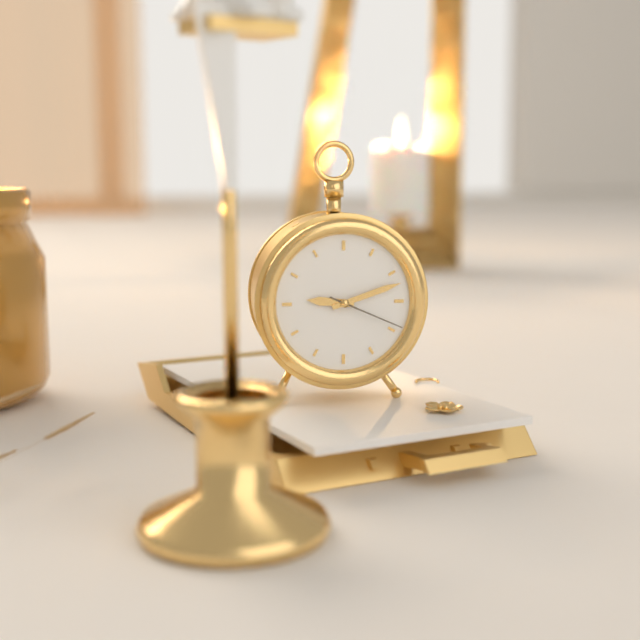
9:12:19
